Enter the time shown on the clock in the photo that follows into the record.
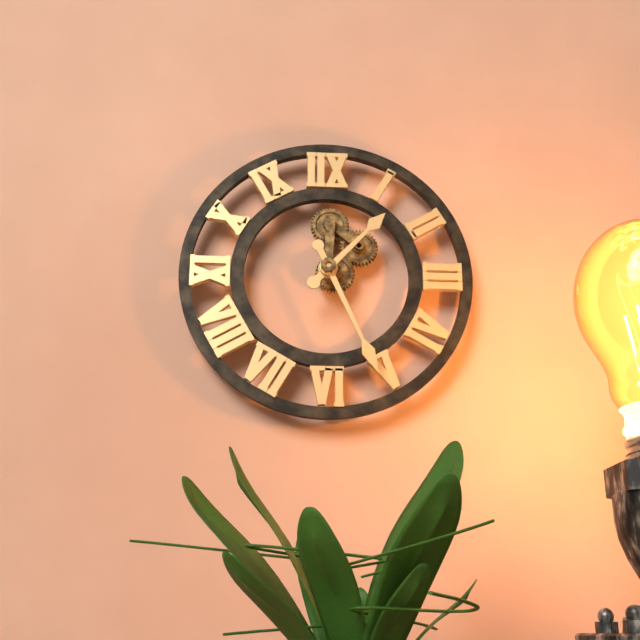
1:26
